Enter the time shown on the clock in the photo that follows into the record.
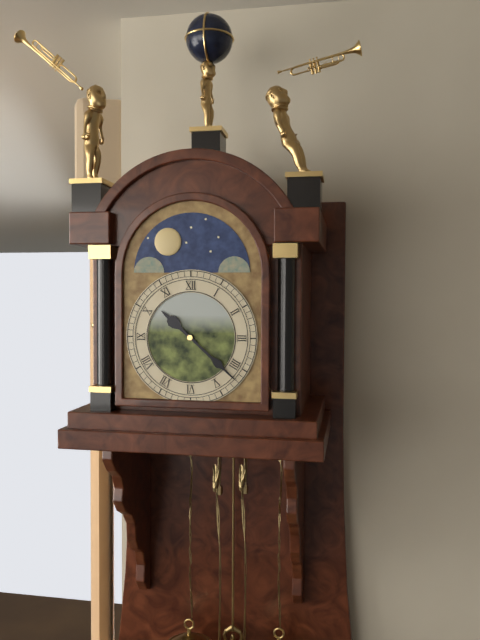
10:22
